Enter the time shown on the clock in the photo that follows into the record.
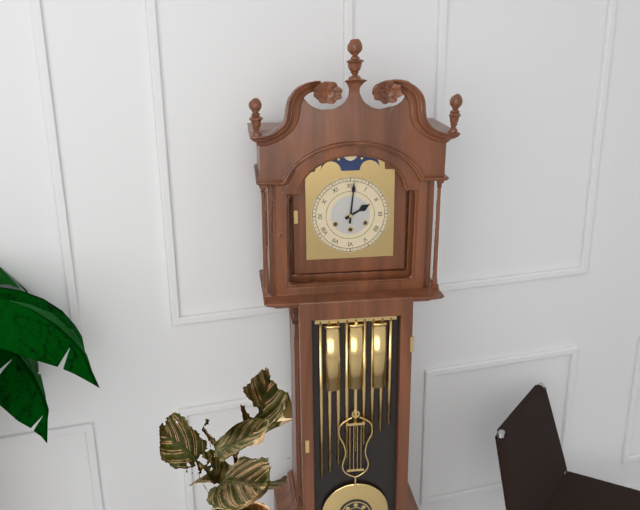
2:01
